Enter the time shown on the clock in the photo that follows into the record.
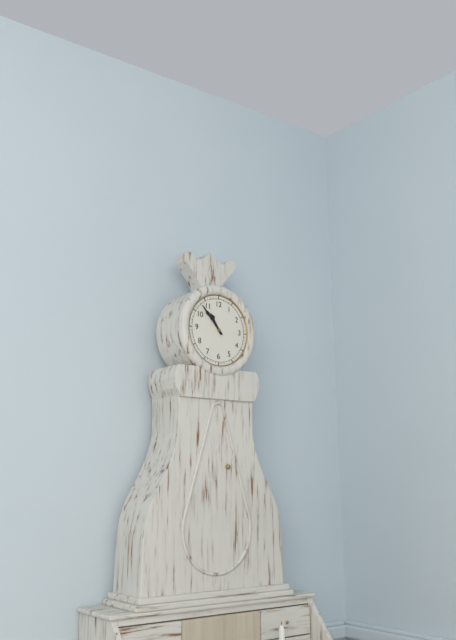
10:53
